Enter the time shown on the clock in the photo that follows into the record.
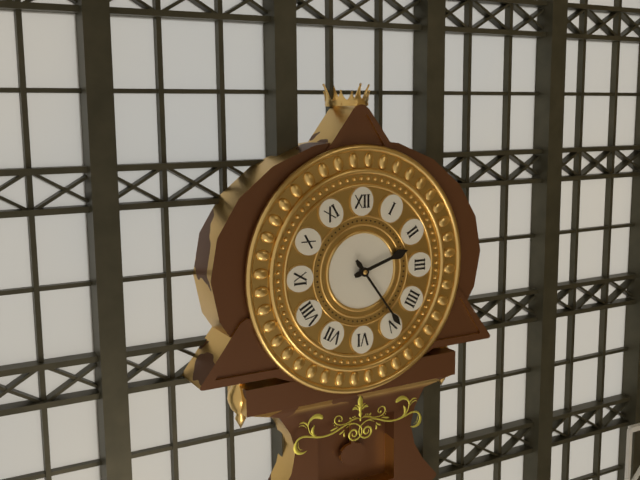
2:24
